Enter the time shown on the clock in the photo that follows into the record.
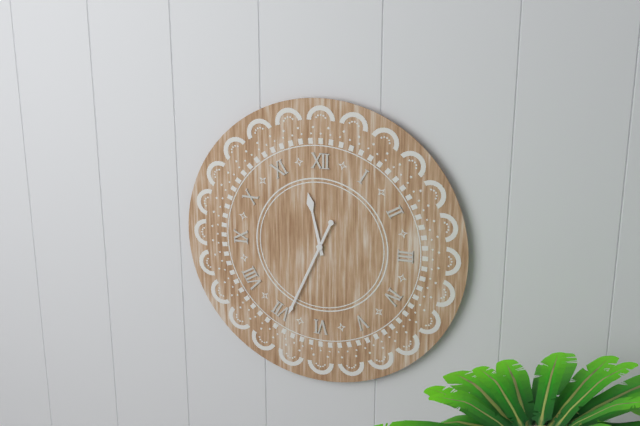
11:34
